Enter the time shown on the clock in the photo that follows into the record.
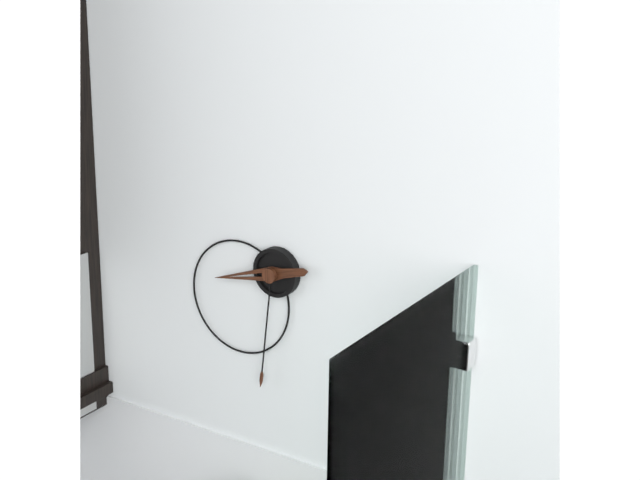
8:31
